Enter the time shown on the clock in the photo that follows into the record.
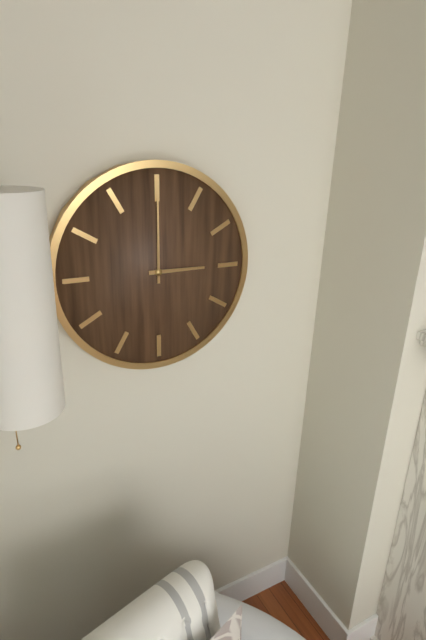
3:00
